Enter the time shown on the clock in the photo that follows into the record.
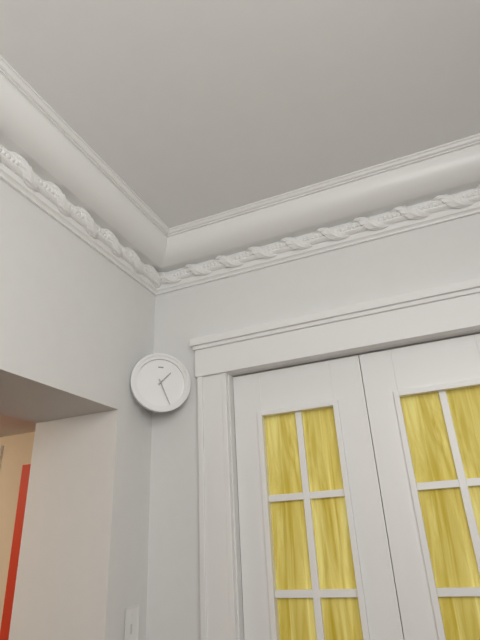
1:26
